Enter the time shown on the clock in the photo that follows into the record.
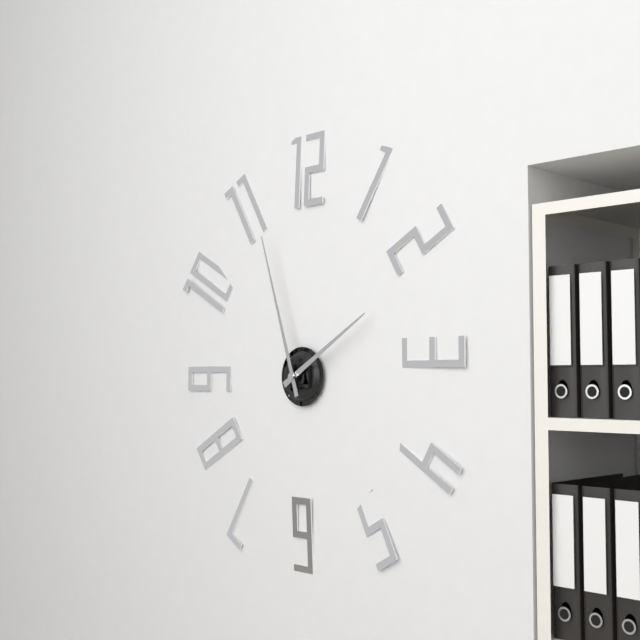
1:57
